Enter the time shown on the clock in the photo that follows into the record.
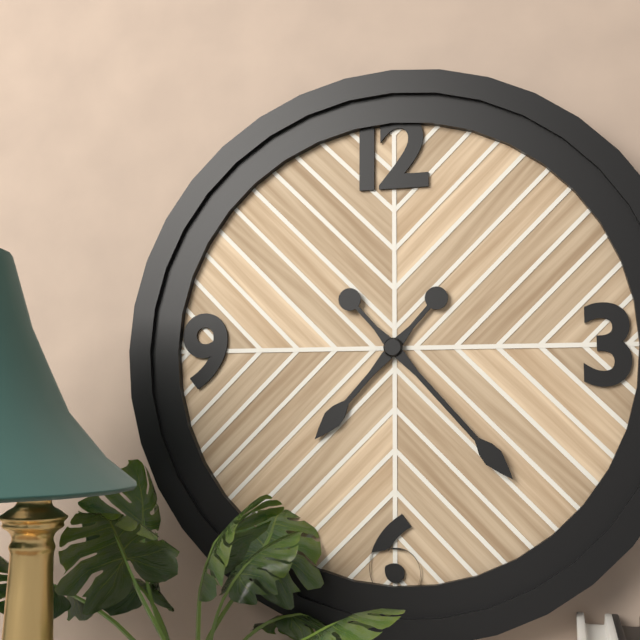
7:23
